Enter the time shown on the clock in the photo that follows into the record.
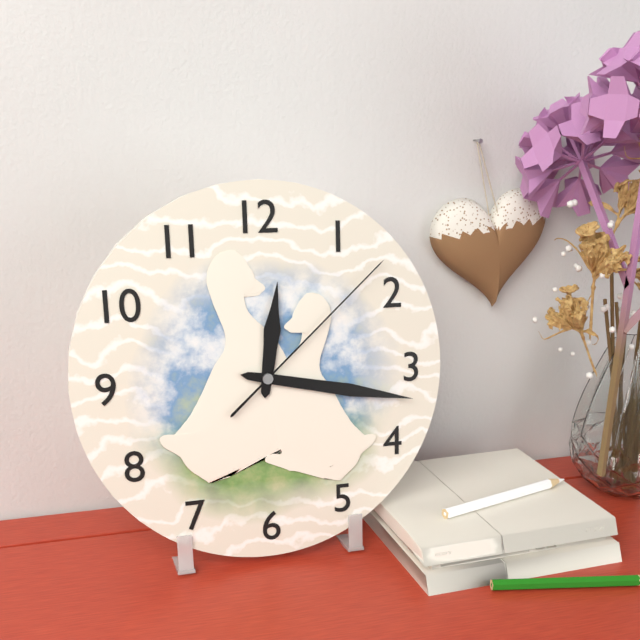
12:17:08
